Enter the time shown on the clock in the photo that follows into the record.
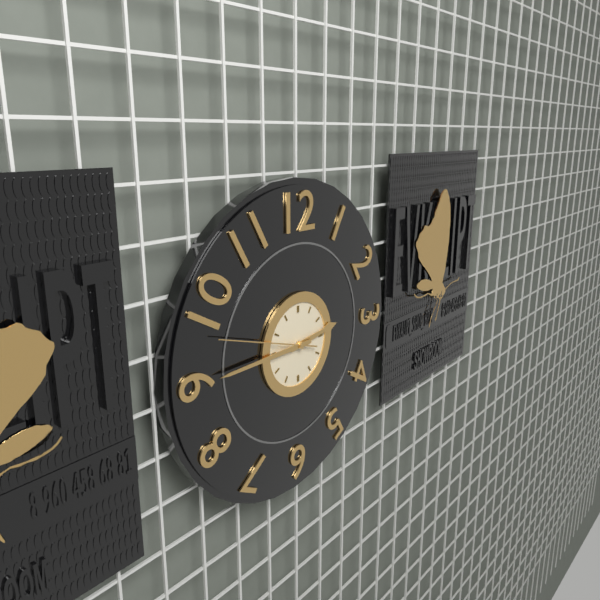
2:45:48
